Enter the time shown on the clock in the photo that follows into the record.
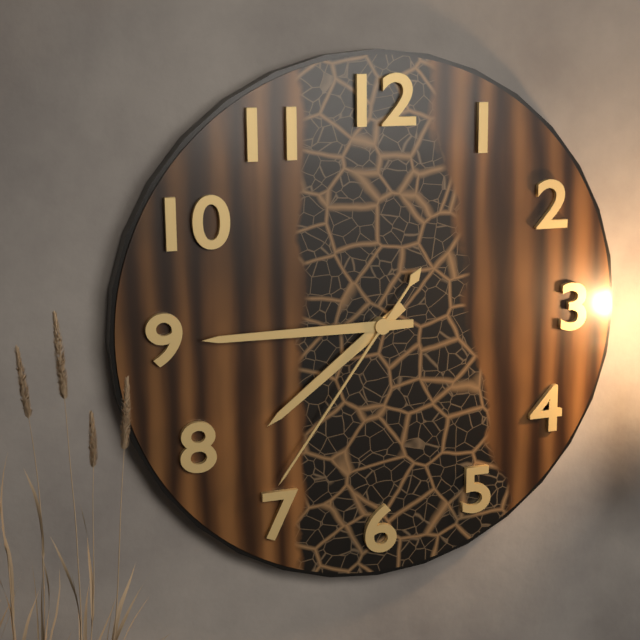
7:45:36
